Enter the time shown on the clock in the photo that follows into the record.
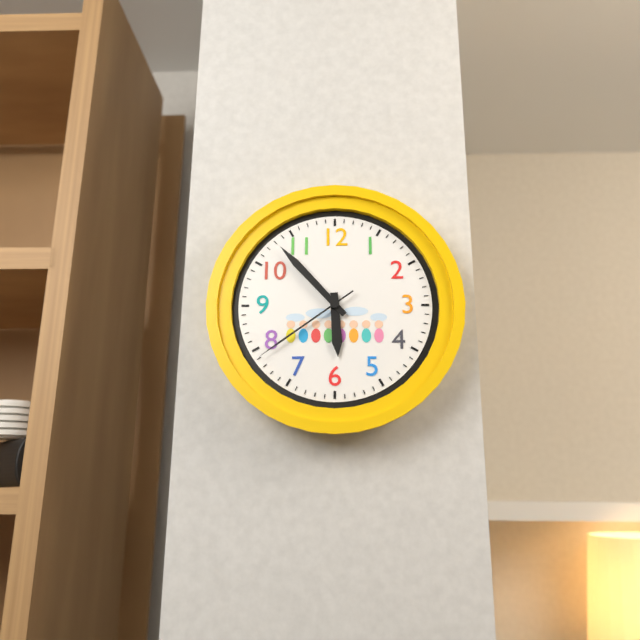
5:53:39
